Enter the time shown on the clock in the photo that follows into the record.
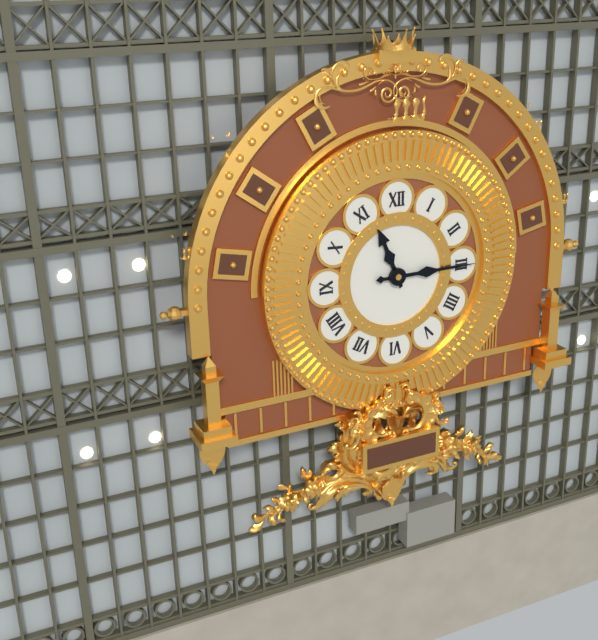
11:15
